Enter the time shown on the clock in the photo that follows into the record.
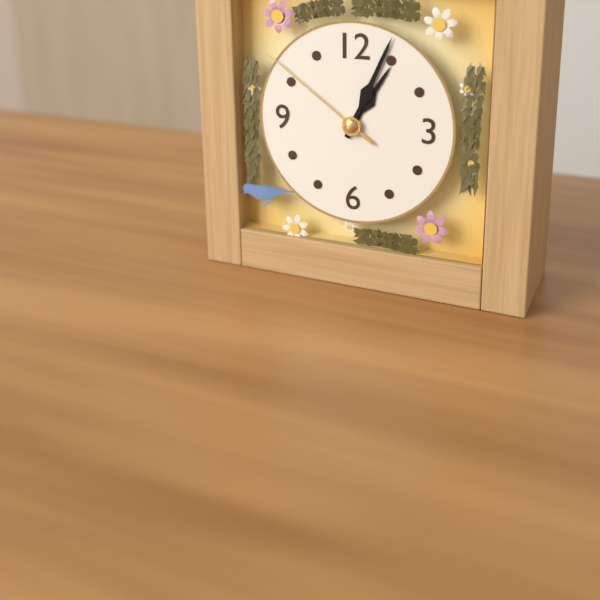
1:04:51
